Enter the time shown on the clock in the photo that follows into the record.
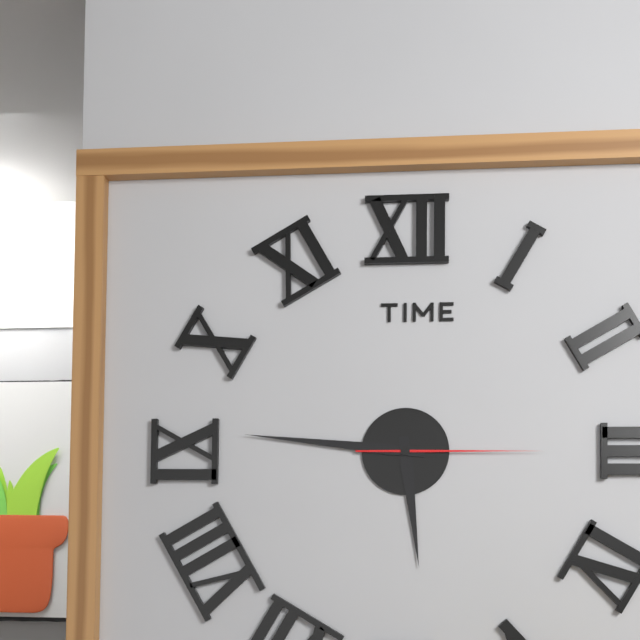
5:46:15
